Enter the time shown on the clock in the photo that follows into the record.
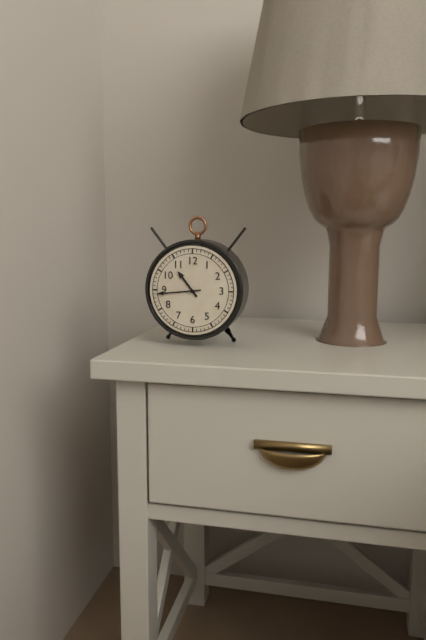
10:44
